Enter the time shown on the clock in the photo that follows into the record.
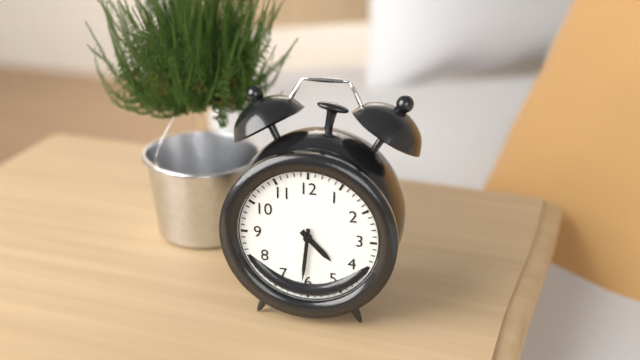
4:31
